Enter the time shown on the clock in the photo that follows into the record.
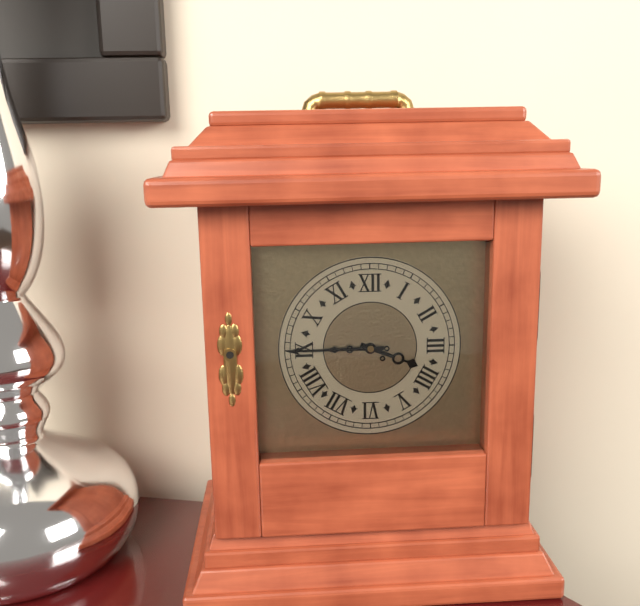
3:45
